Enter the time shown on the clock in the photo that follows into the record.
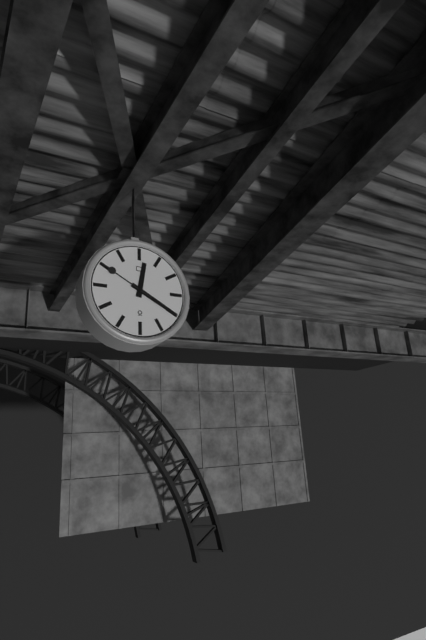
12:20:50
